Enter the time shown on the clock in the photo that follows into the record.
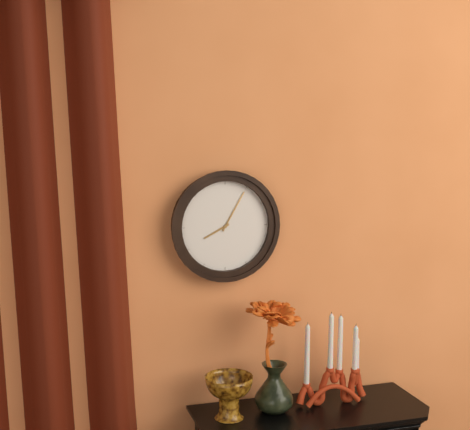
8:05
